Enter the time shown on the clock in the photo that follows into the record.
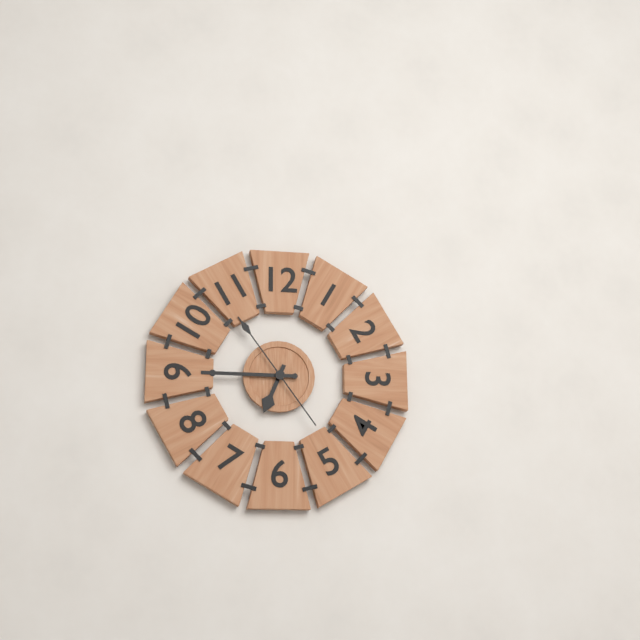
6:45:54
